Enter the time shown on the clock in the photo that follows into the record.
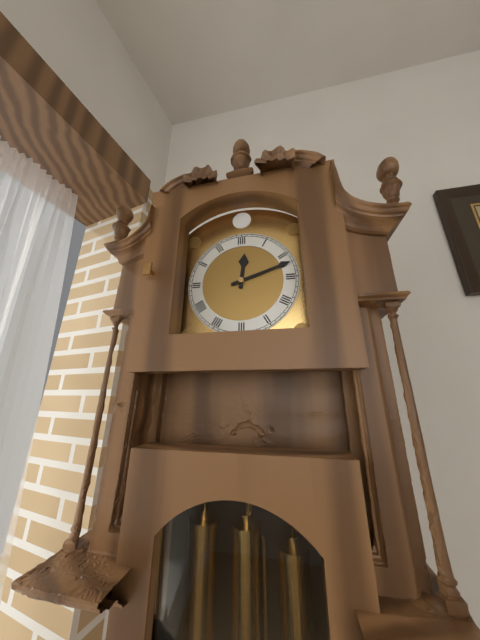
12:12
